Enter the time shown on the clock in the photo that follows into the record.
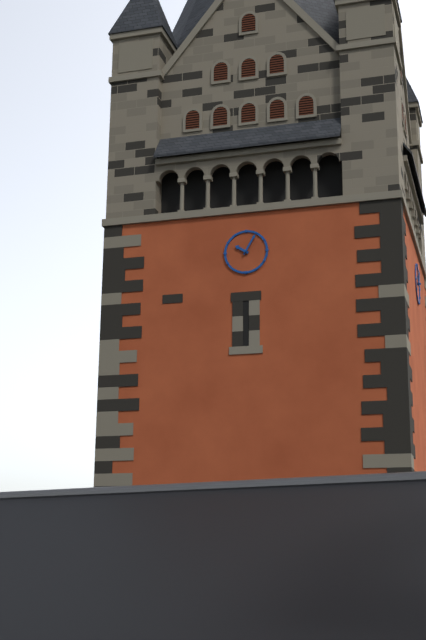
10:05
